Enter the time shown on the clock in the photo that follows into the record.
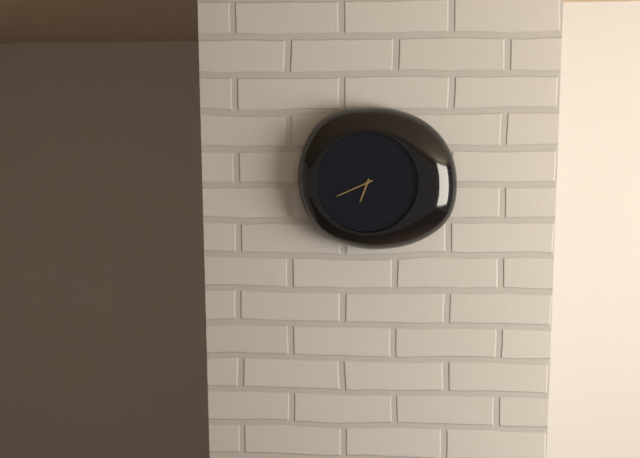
6:41
